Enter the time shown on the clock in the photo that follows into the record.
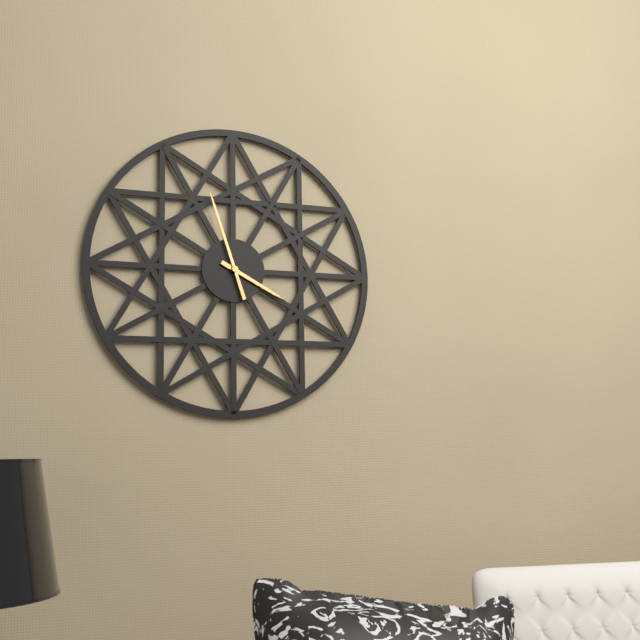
3:57
